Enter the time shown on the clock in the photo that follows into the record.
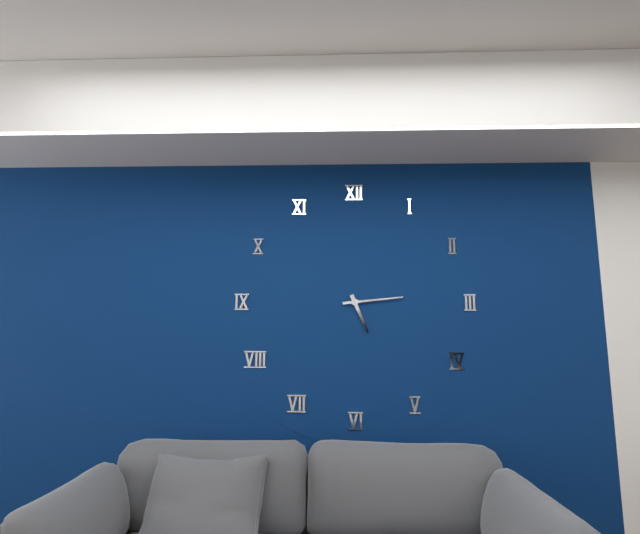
5:14
